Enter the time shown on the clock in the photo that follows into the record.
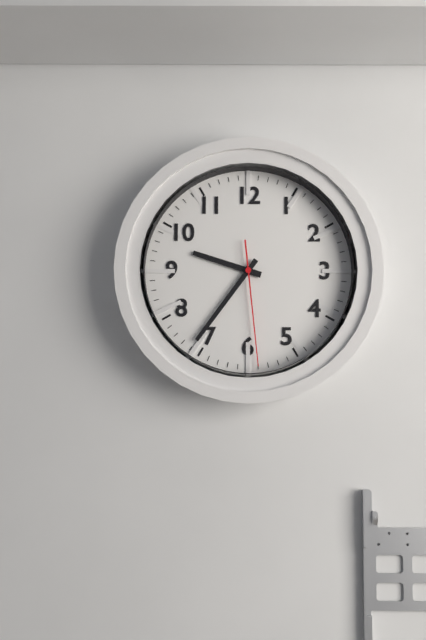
9:36:29
